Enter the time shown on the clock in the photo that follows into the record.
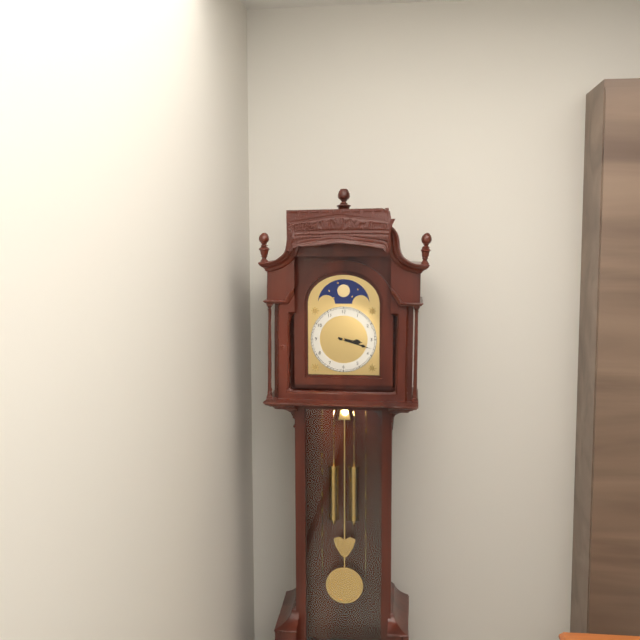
3:18
